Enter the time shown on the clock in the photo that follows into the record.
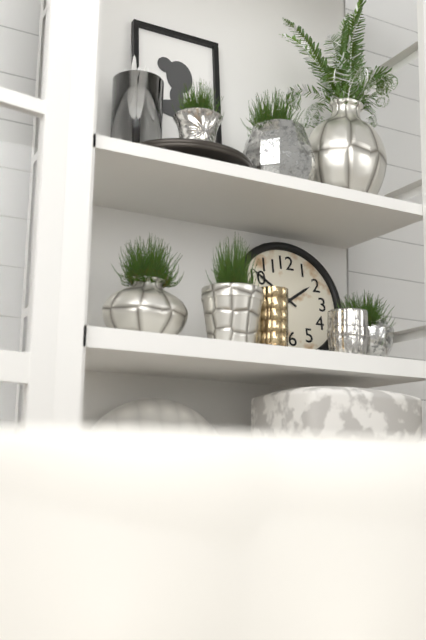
1:51
